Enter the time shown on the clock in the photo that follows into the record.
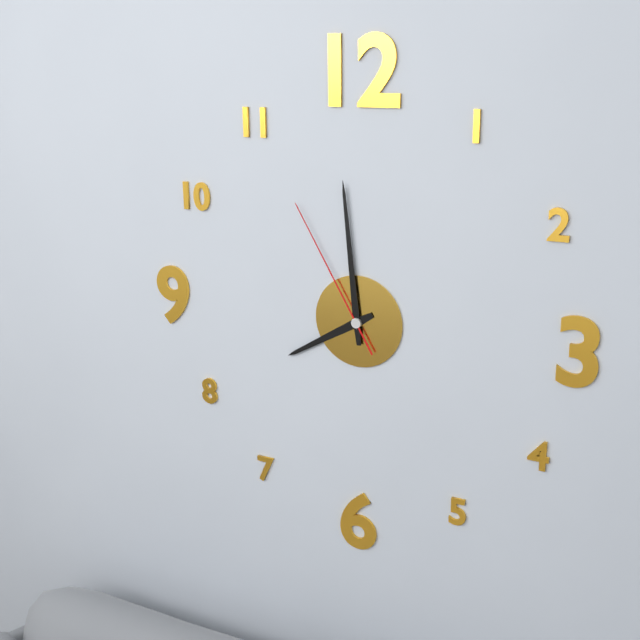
7:59:55
